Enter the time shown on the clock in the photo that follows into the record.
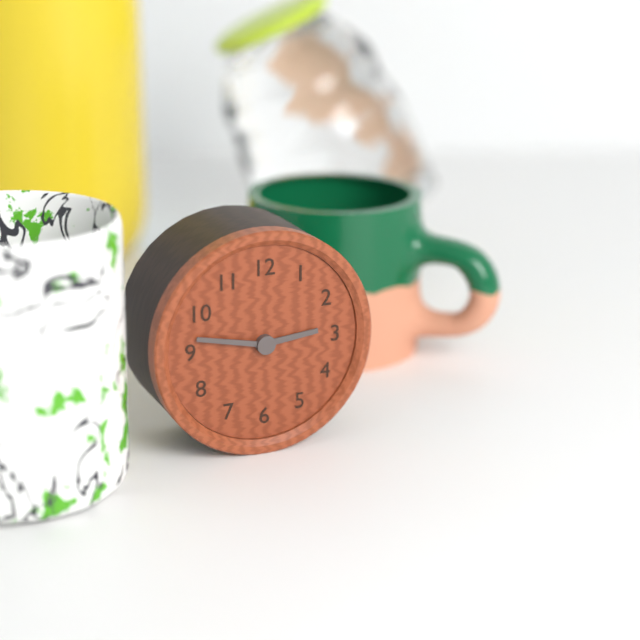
2:47
